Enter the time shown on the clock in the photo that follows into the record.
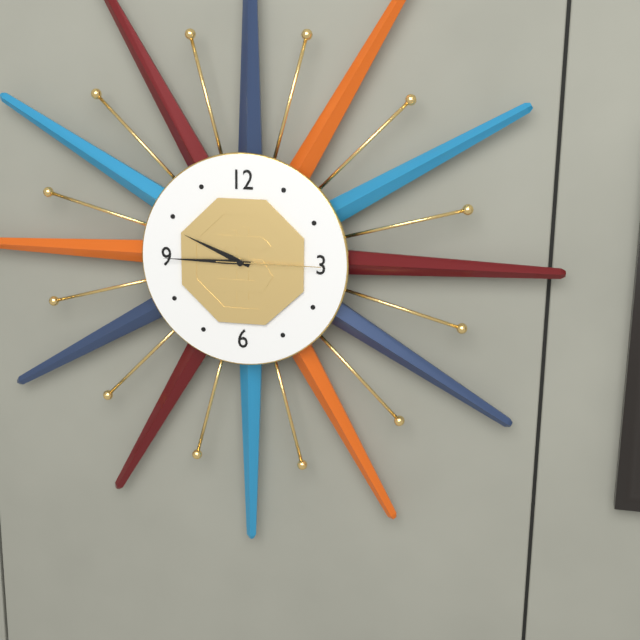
9:45:15
